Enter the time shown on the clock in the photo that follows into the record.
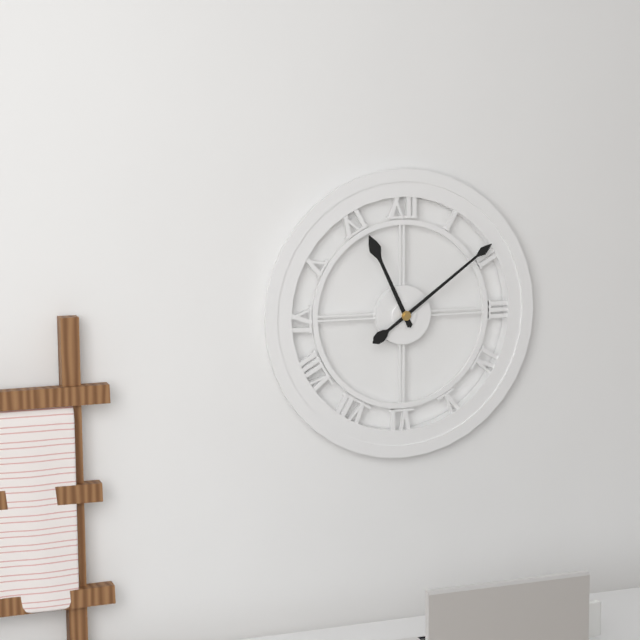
11:09
